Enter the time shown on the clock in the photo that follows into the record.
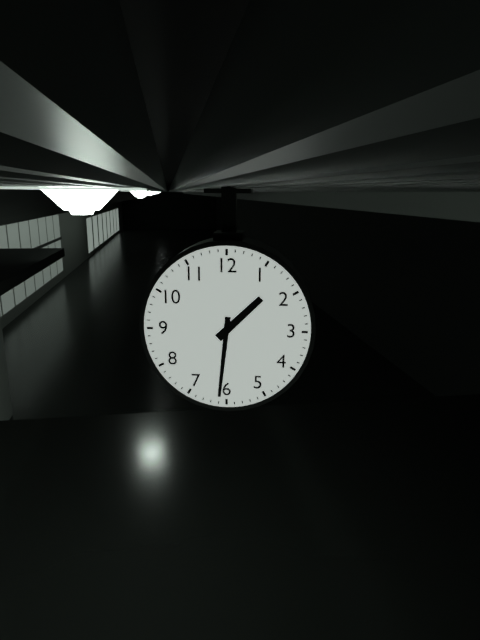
1:31
